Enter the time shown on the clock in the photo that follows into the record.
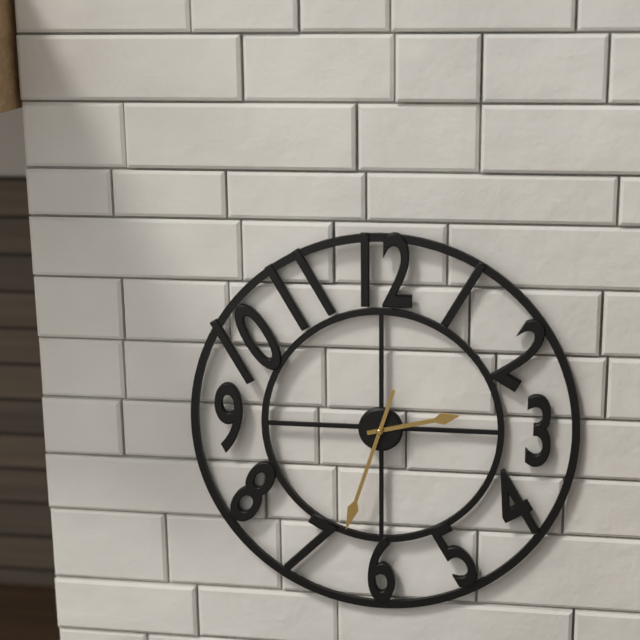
2:33
